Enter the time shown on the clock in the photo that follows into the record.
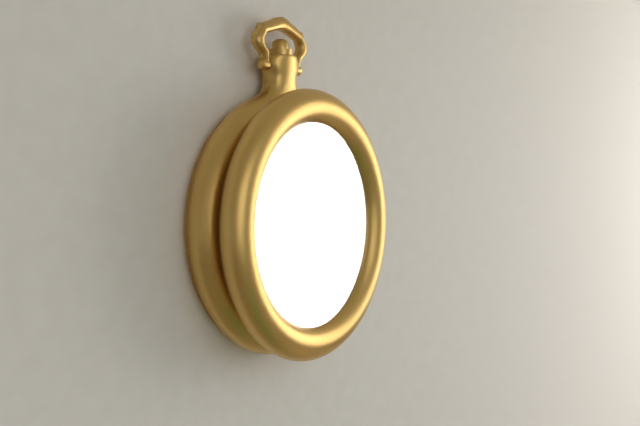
2:41
